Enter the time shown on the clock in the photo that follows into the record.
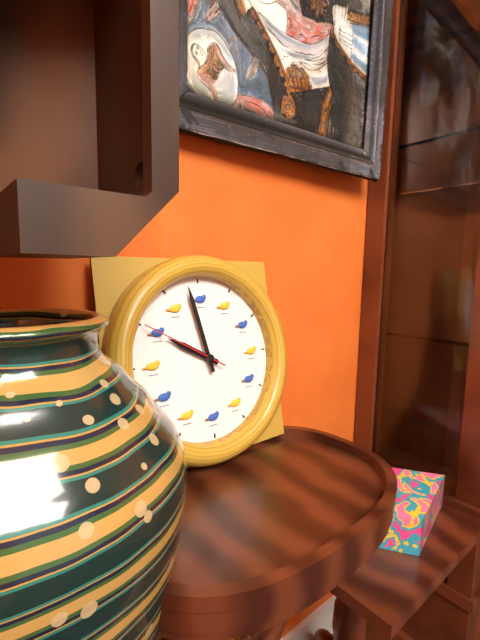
9:58:50
